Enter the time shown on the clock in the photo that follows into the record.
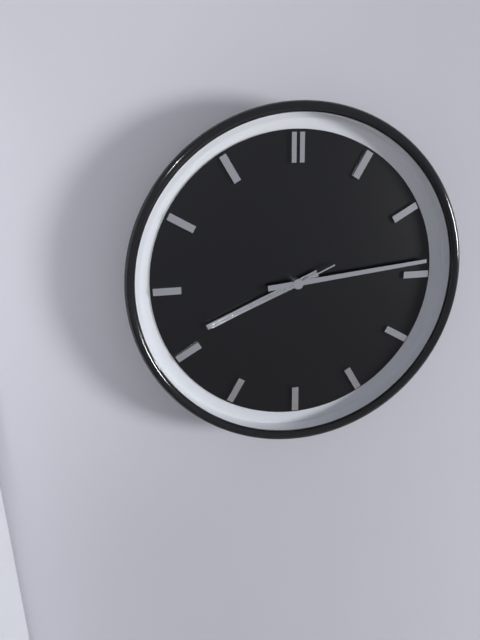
8:14:41
